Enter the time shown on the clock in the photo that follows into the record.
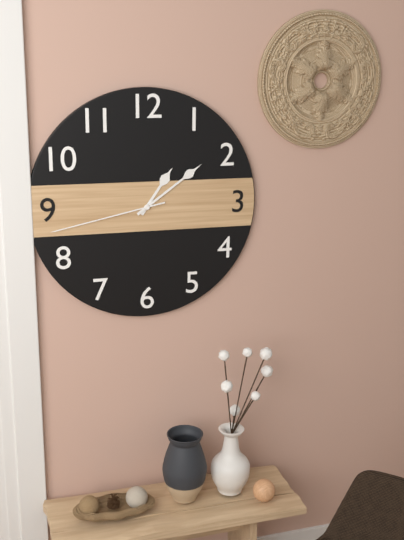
1:09:43
